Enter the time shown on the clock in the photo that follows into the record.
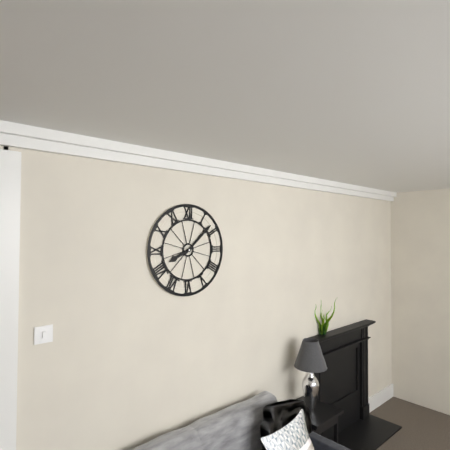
8:08
